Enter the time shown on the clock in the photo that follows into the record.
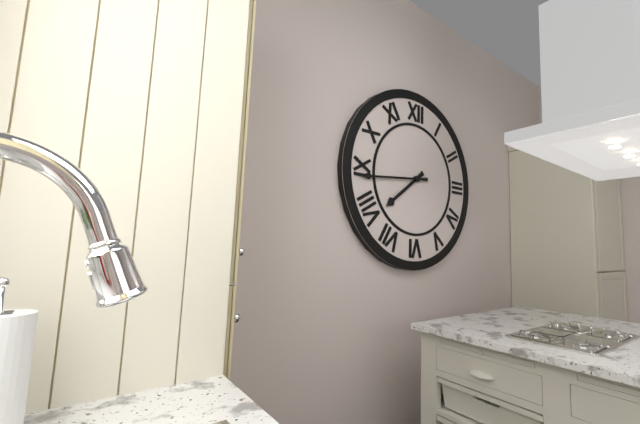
7:44
